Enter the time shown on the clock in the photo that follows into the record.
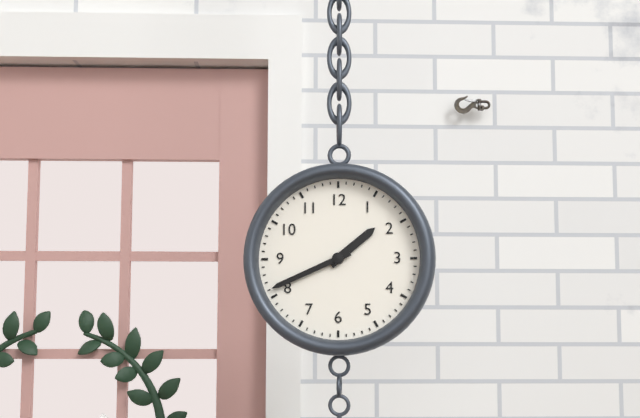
1:41
